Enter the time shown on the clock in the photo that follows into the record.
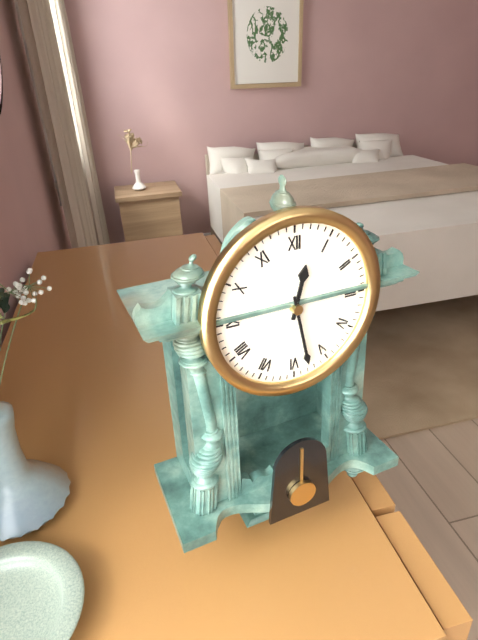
12:28
